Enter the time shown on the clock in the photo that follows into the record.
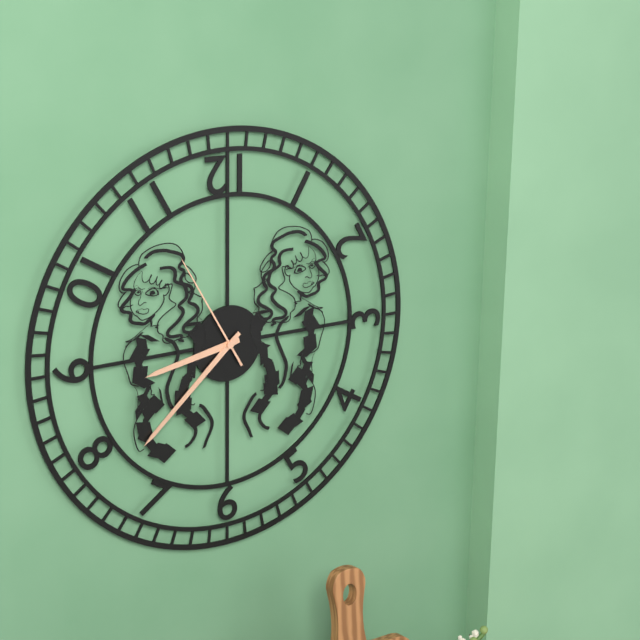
8:38:55
